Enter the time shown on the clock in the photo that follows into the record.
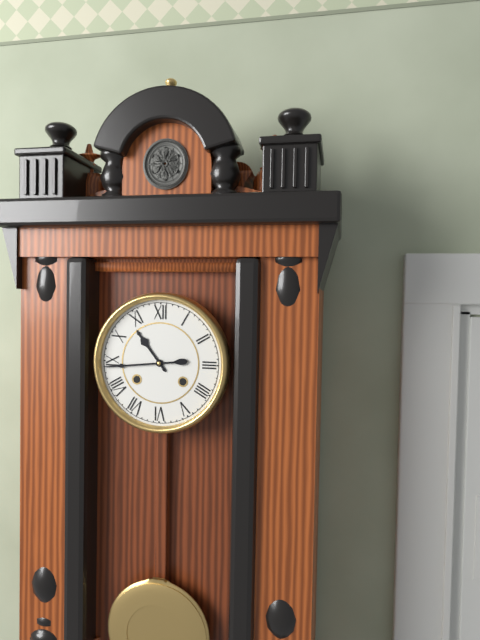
10:44
